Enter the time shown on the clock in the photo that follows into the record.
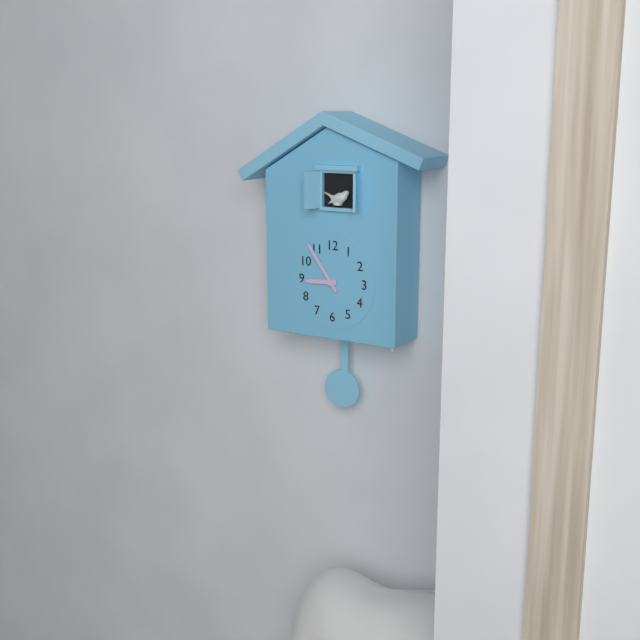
8:54
